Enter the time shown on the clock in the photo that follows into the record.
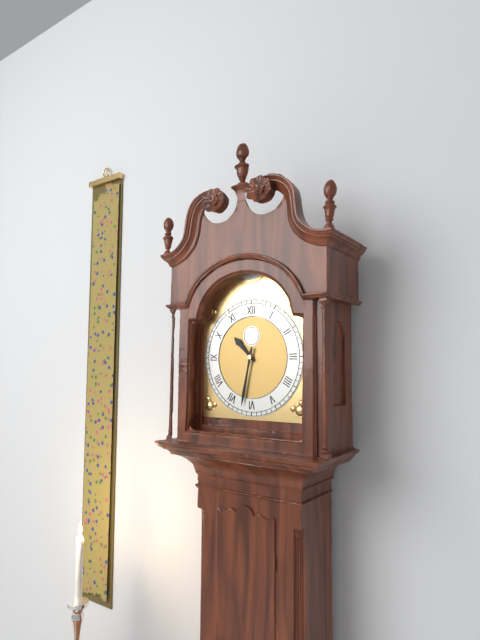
10:32
